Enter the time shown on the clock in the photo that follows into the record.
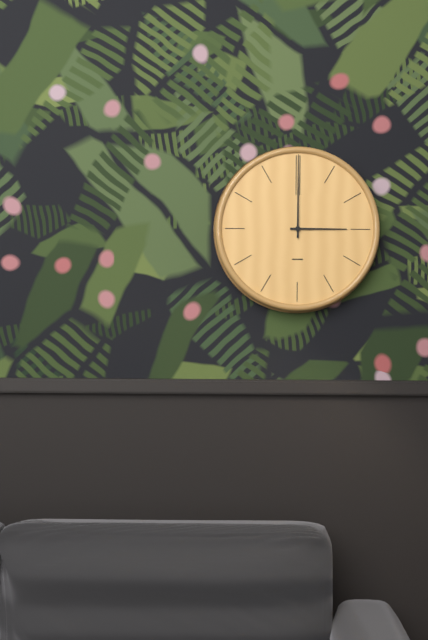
3:00
